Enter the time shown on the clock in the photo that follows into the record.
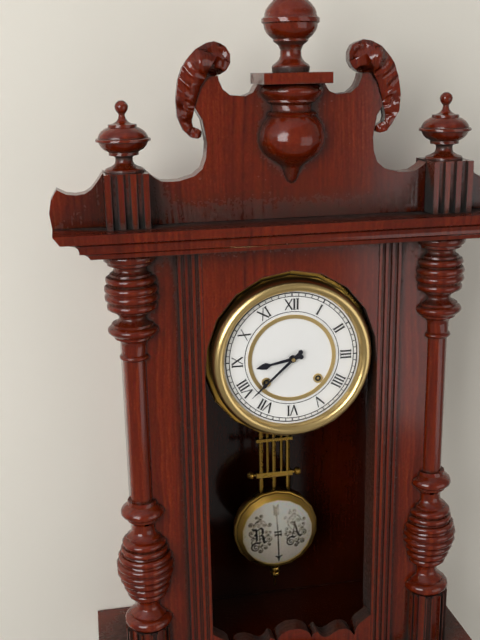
8:38
